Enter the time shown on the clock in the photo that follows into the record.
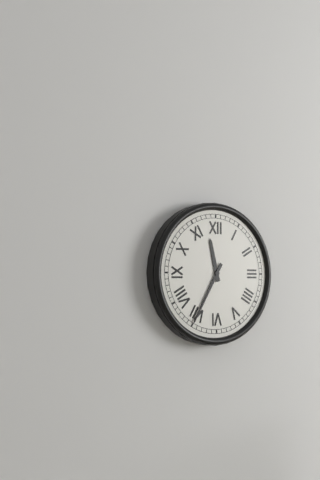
11:35
